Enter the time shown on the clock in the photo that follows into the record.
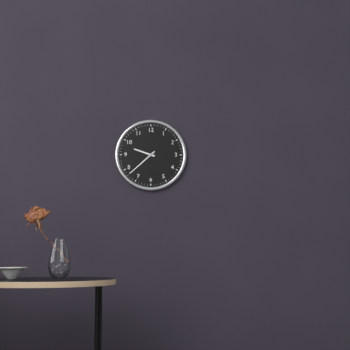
9:38
